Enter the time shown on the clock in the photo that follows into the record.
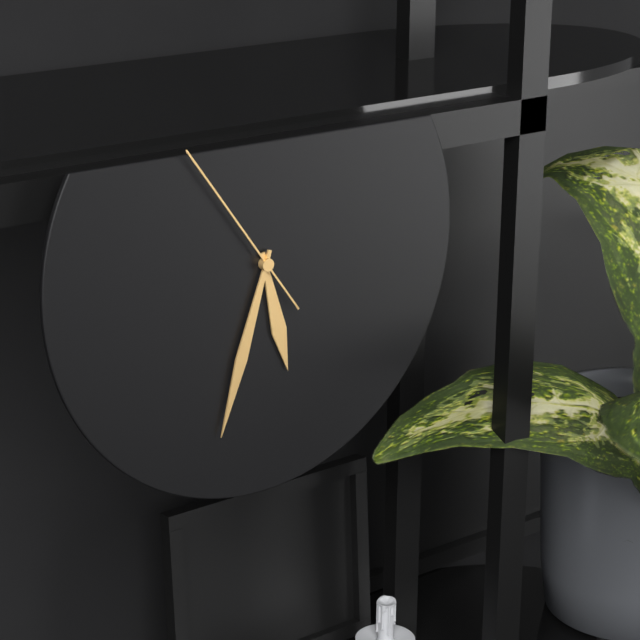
5:33:54
